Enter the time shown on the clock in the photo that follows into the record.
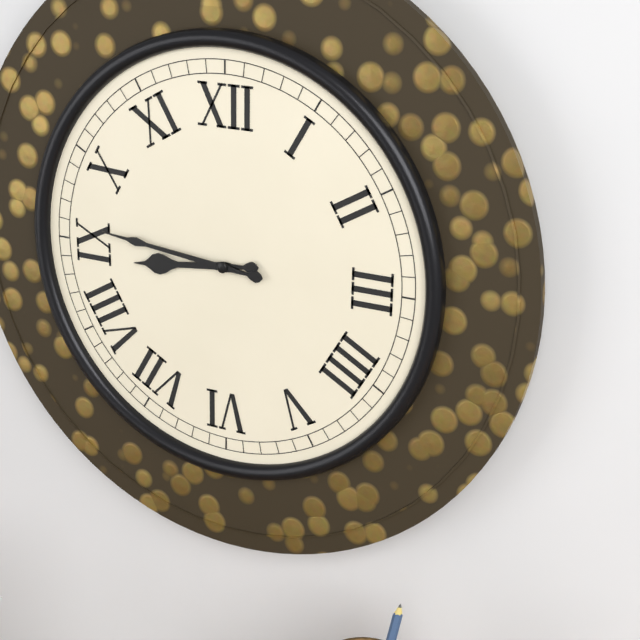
8:46
